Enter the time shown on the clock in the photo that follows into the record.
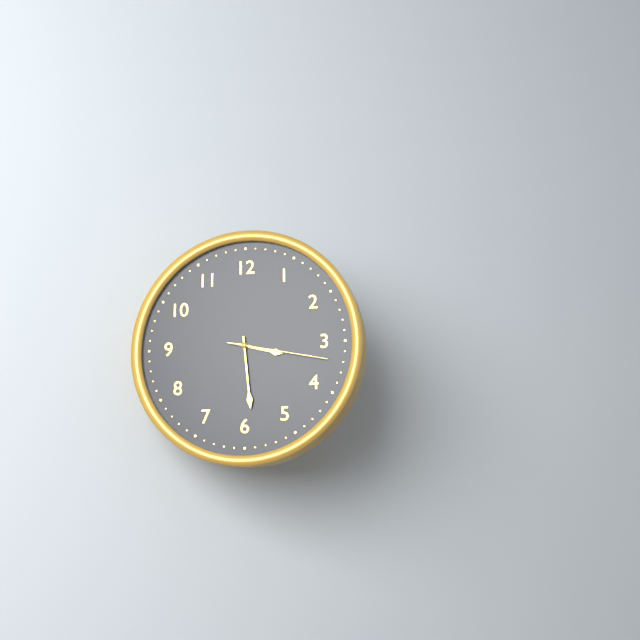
3:29:17
